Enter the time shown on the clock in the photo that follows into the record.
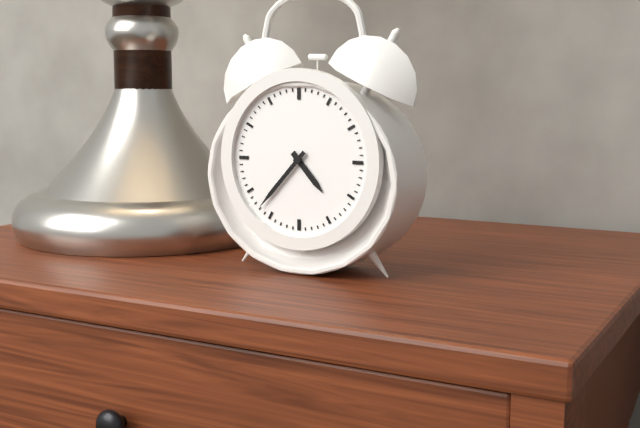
4:37
